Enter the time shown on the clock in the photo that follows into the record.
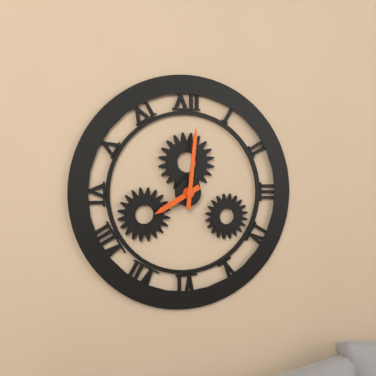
8:01
